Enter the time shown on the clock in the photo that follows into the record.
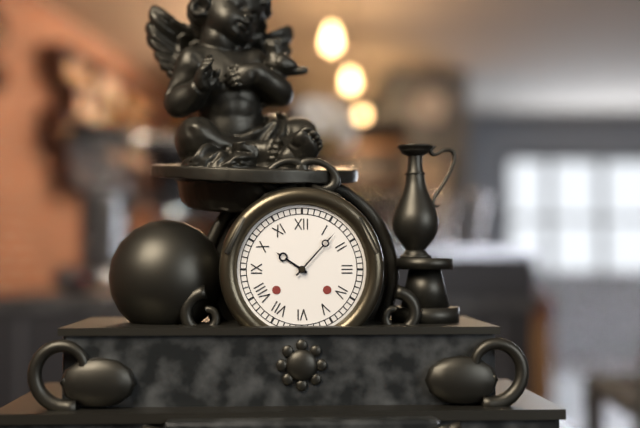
10:07
